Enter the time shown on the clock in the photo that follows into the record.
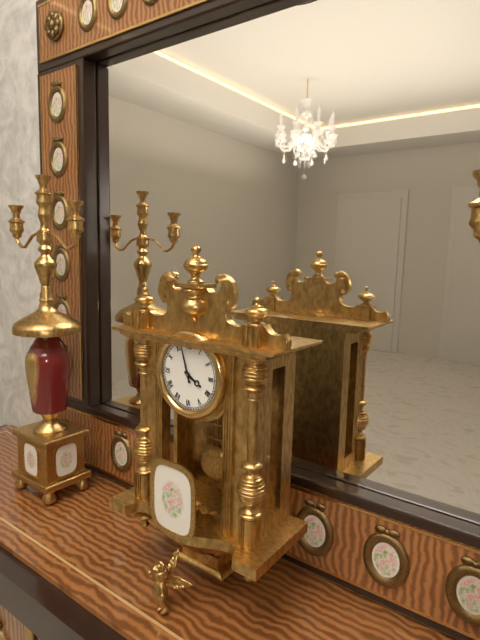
3:57
